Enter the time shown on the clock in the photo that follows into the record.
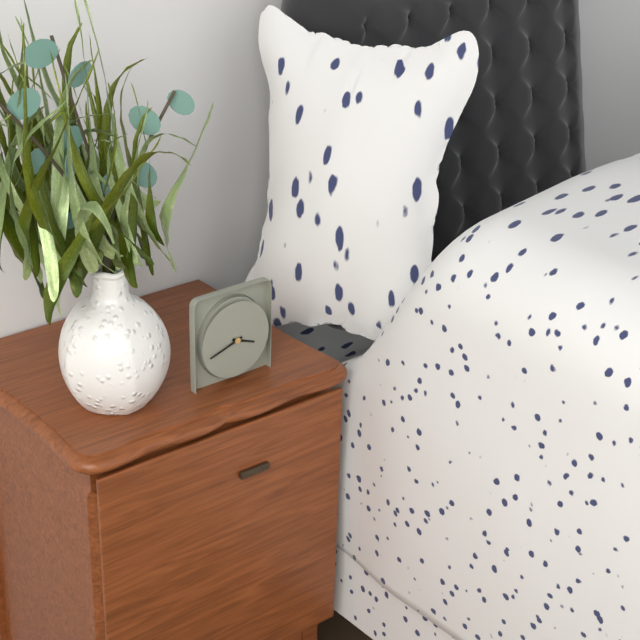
3:42
